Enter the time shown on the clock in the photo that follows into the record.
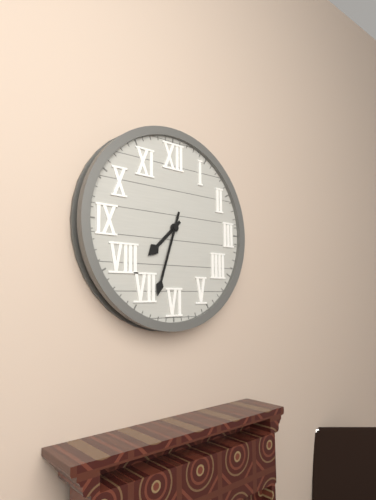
7:33
